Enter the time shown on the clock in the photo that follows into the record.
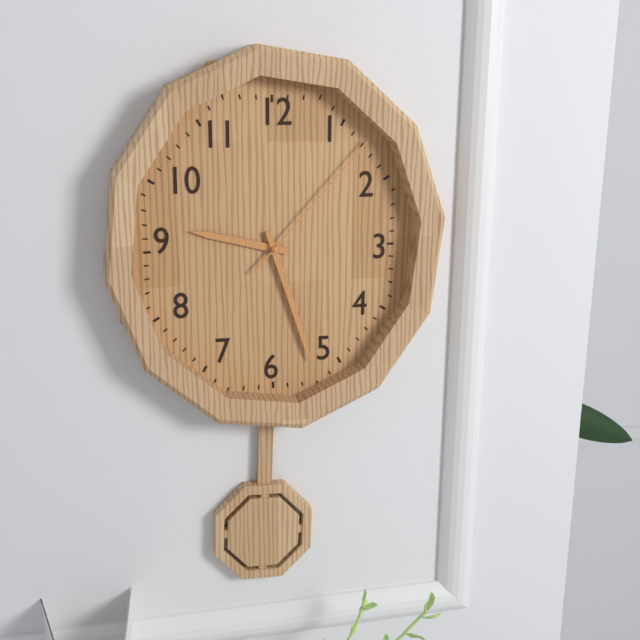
9:27:07
